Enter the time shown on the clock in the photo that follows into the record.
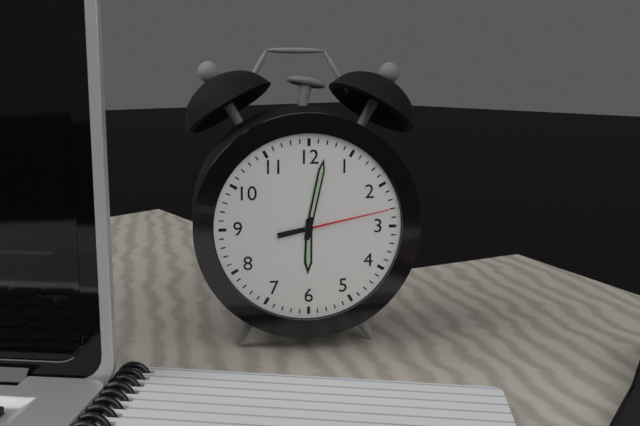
6:02:13
